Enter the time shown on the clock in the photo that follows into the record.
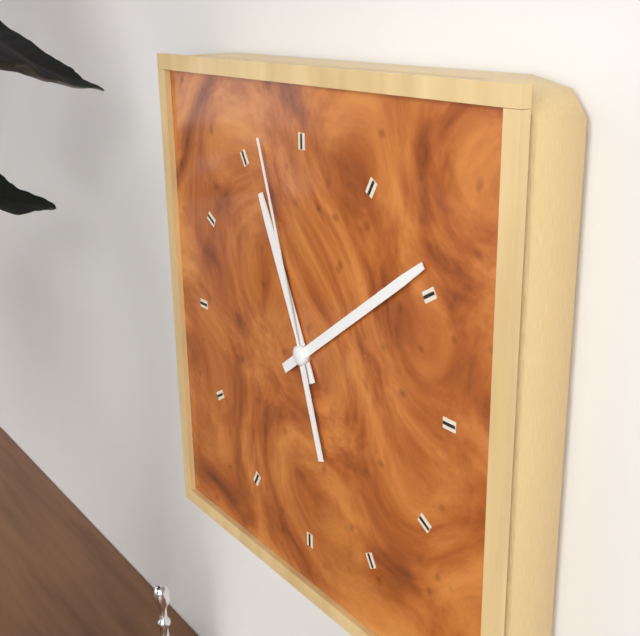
11:09:57
